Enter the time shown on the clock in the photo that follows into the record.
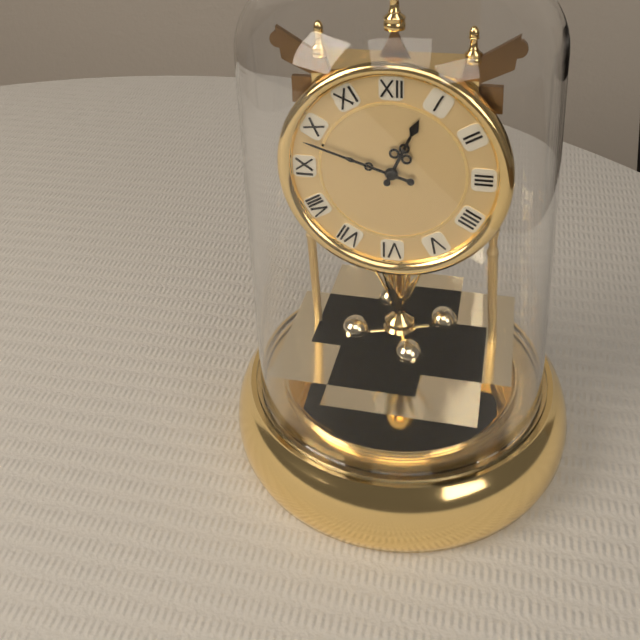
12:48
